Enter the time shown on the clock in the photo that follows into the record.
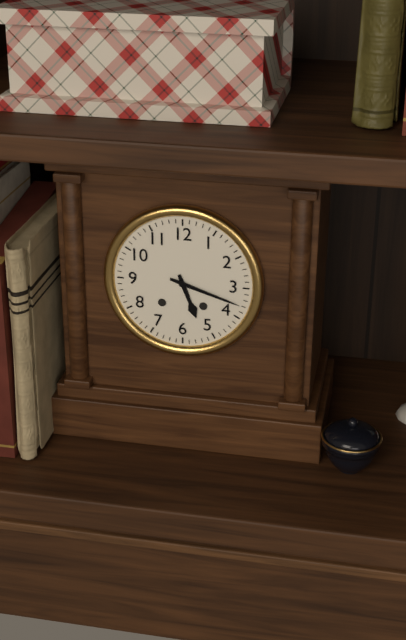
5:18
